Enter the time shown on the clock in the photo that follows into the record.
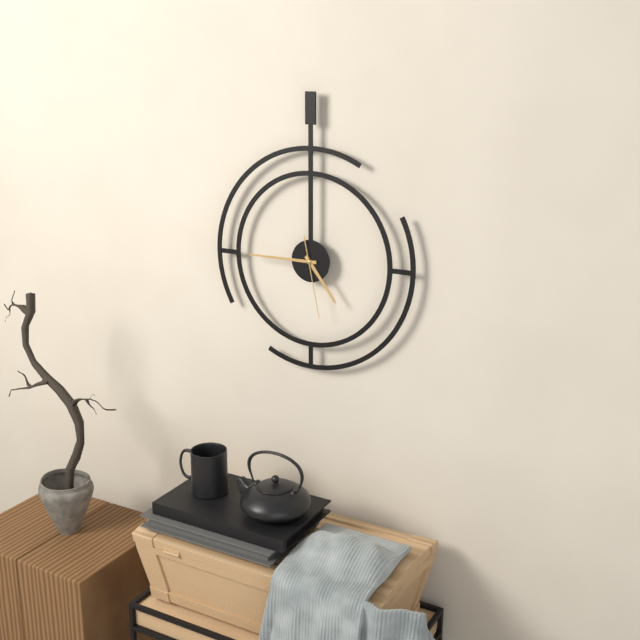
4:45:28
